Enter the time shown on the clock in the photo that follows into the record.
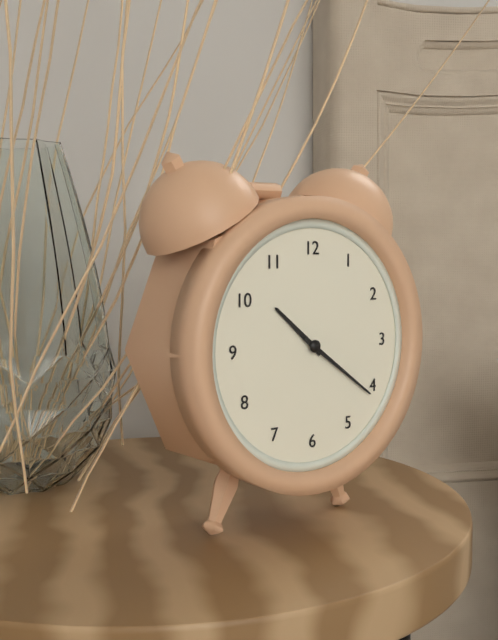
10:21
